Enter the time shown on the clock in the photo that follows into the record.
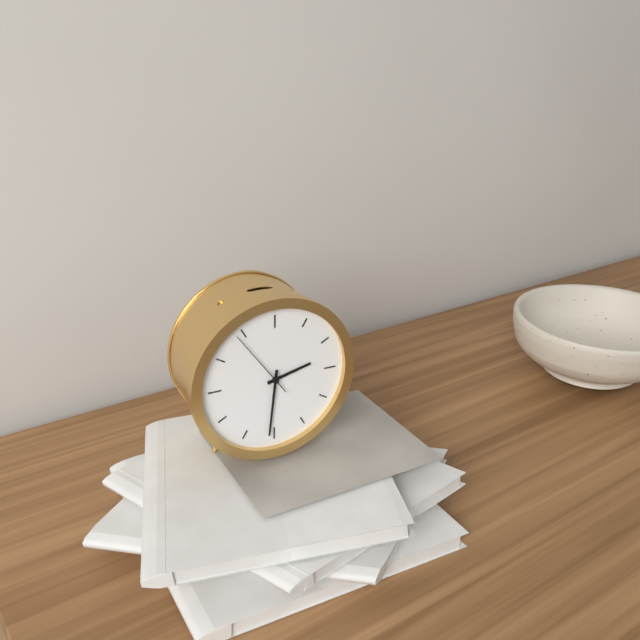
2:31:54
